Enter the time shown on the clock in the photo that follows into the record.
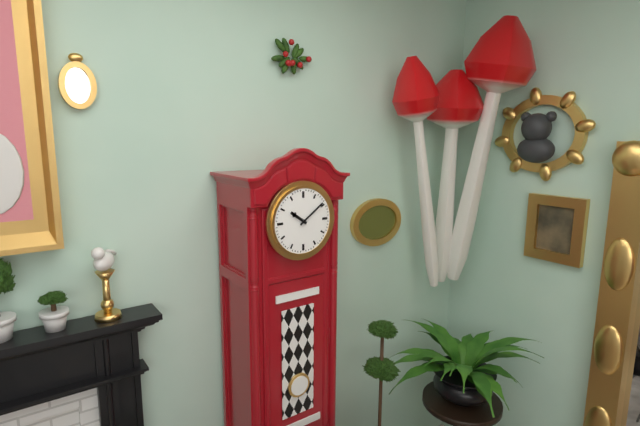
10:09
